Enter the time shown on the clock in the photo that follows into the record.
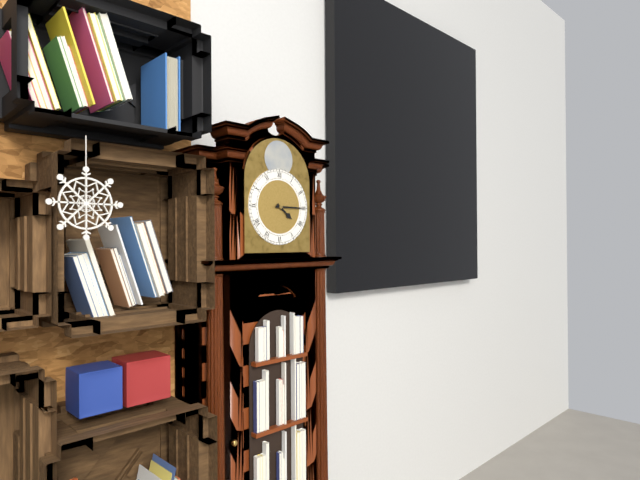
4:15
